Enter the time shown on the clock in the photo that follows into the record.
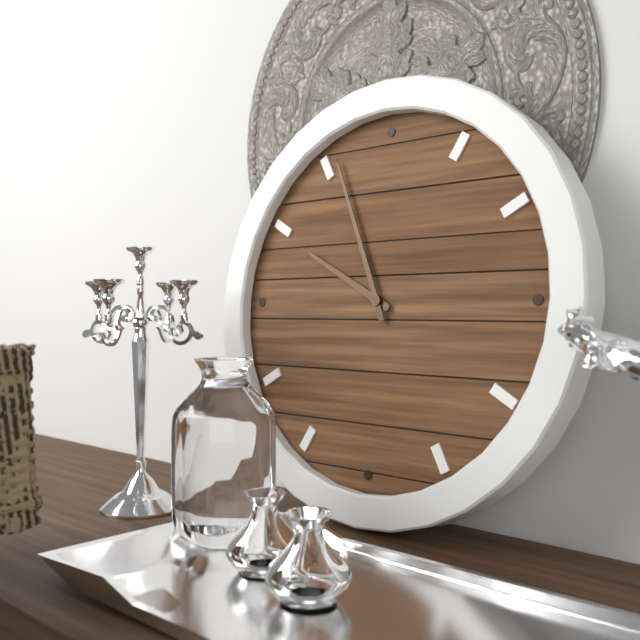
9:56
